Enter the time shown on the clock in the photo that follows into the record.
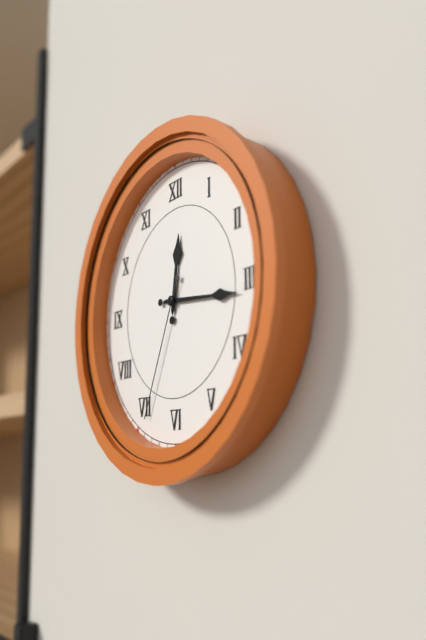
12:16:34
